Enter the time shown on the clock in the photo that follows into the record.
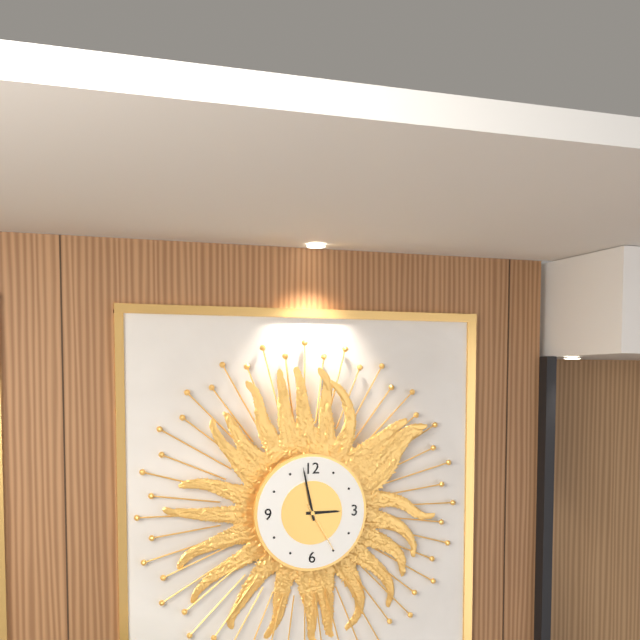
2:58:25
